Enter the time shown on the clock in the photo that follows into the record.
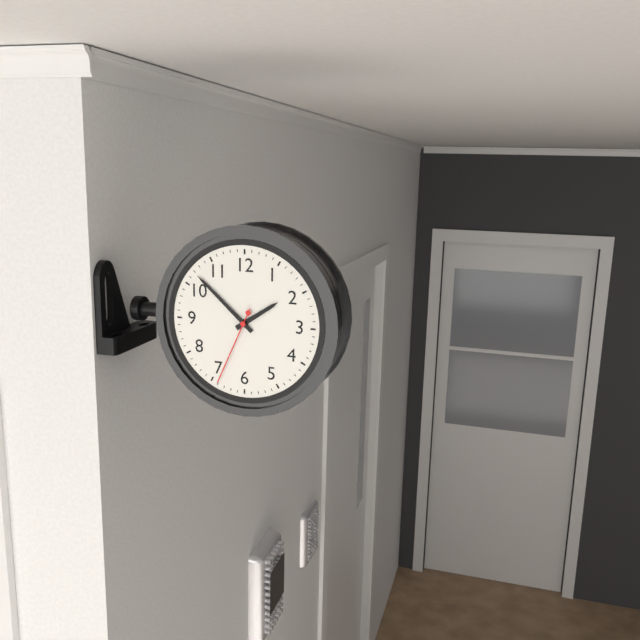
1:52:34
